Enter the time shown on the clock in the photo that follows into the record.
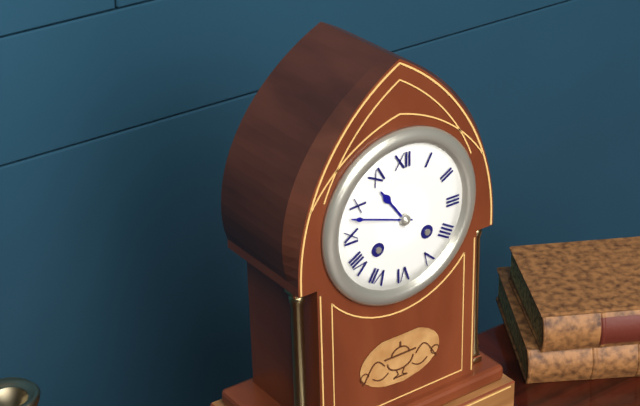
10:48
